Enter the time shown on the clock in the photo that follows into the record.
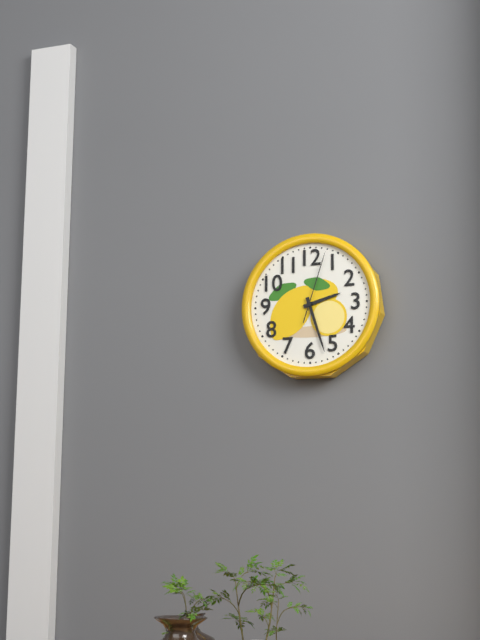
2:27:03
